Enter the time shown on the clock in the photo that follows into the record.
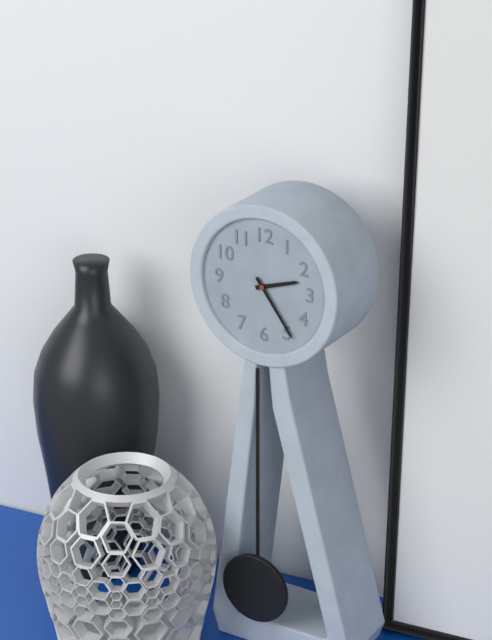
2:24
